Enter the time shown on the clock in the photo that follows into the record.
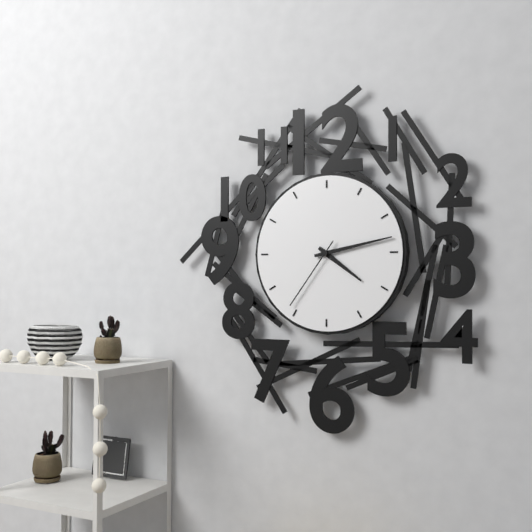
4:13:36
